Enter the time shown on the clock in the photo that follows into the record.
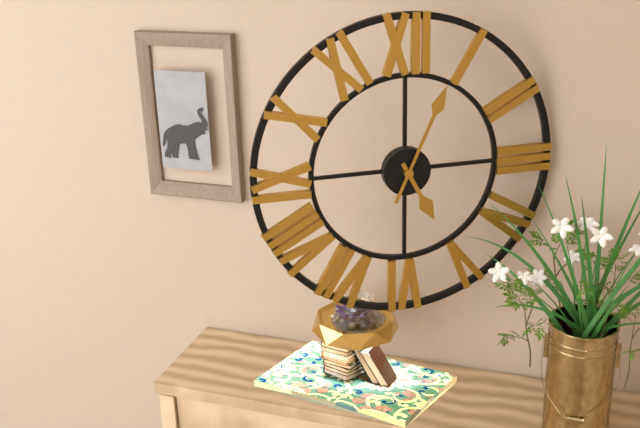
5:04
